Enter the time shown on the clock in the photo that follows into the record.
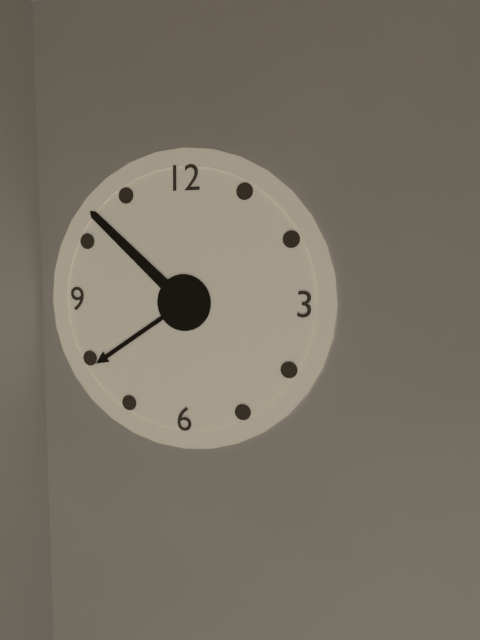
7:52
